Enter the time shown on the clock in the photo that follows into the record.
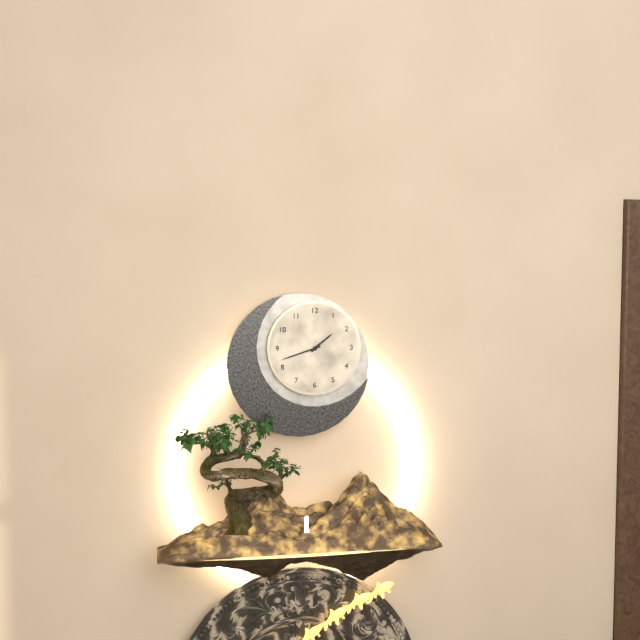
1:42
